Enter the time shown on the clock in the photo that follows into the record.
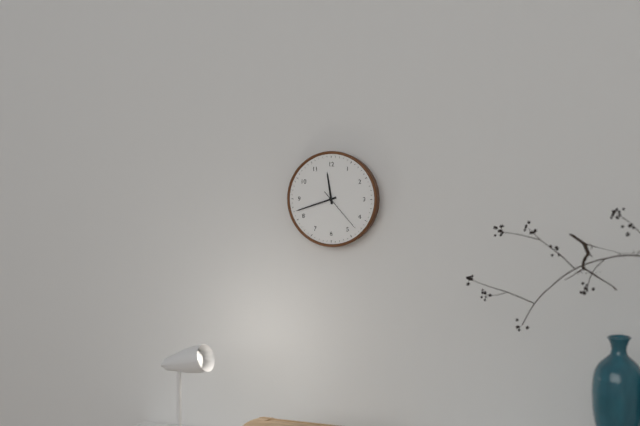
11:42
